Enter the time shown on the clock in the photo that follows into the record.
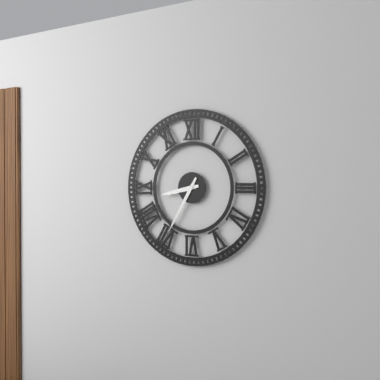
8:35
